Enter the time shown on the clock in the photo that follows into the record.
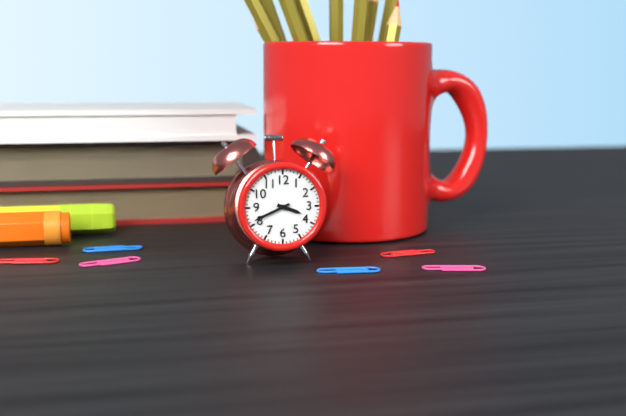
3:41
